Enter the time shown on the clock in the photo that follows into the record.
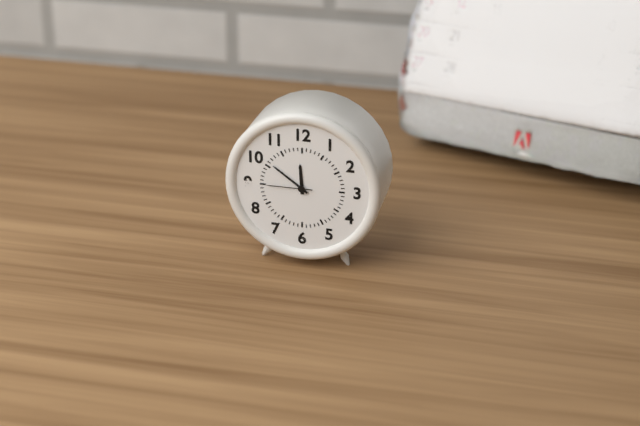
11:51
